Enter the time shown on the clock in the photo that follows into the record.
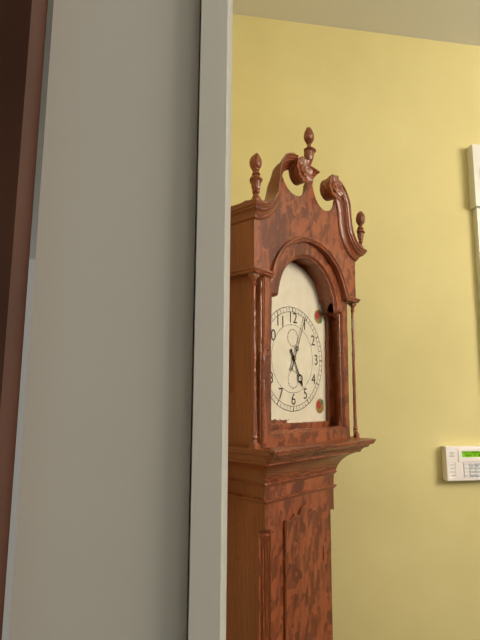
5:04
